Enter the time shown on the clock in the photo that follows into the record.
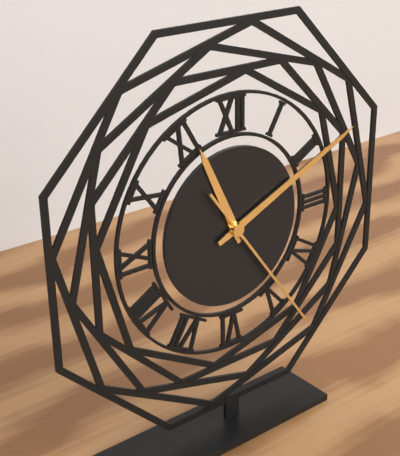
11:11:24
